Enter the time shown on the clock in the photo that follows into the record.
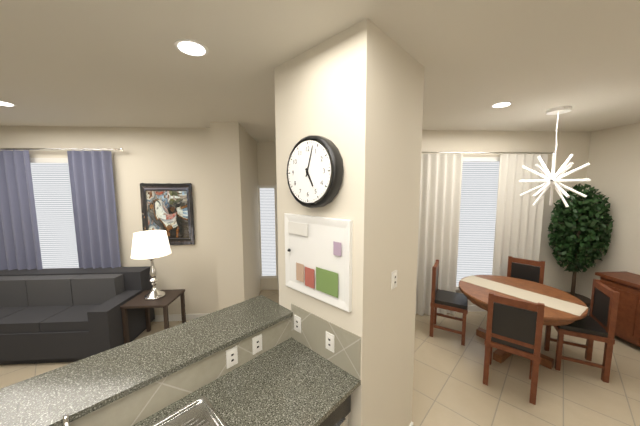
5:03
